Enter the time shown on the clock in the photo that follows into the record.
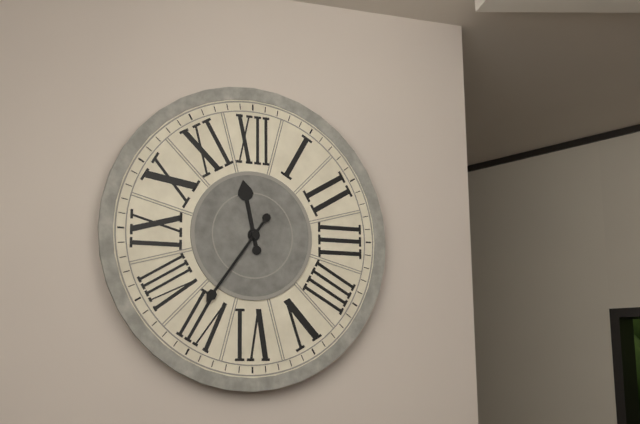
11:36
